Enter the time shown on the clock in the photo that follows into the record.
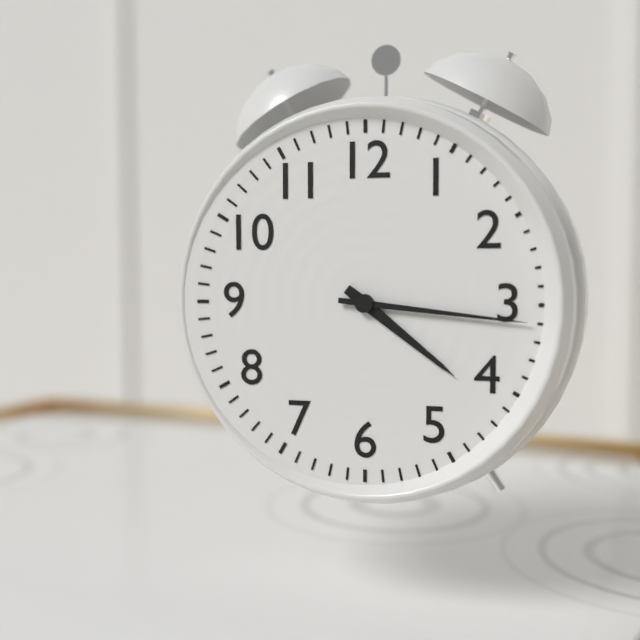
4:16
